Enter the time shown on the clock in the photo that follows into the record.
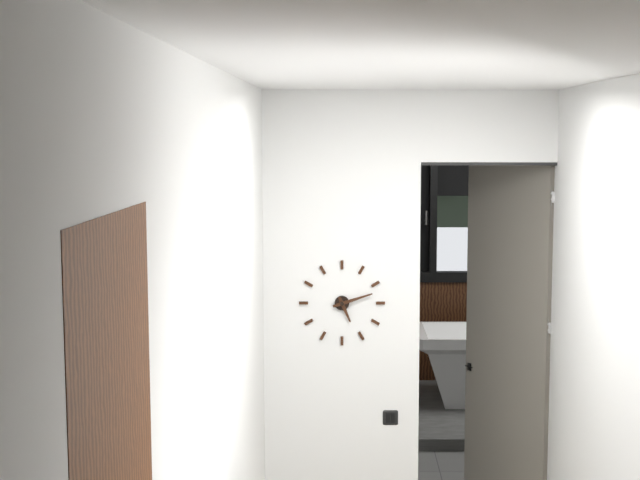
5:12
